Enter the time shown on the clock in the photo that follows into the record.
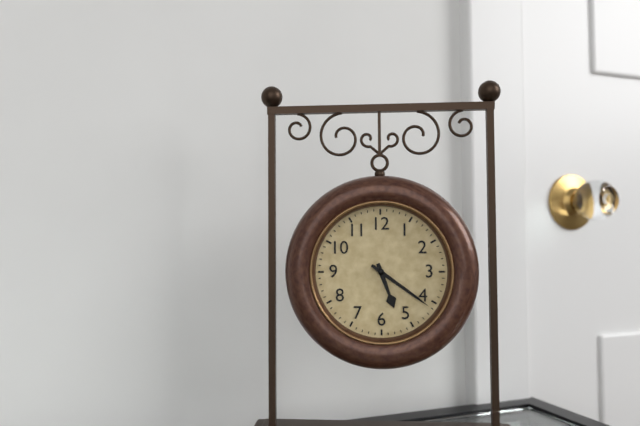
5:21
